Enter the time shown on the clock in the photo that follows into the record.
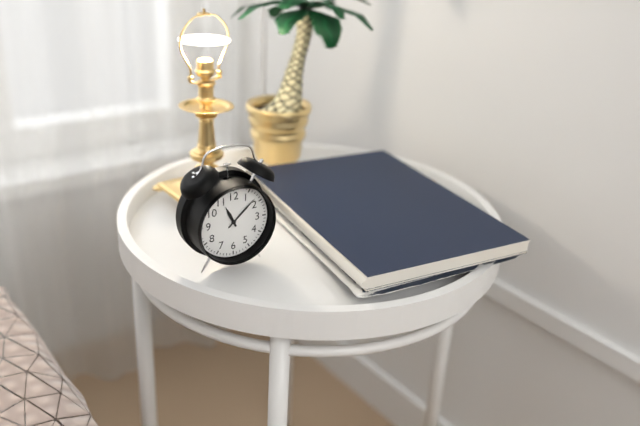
11:08
